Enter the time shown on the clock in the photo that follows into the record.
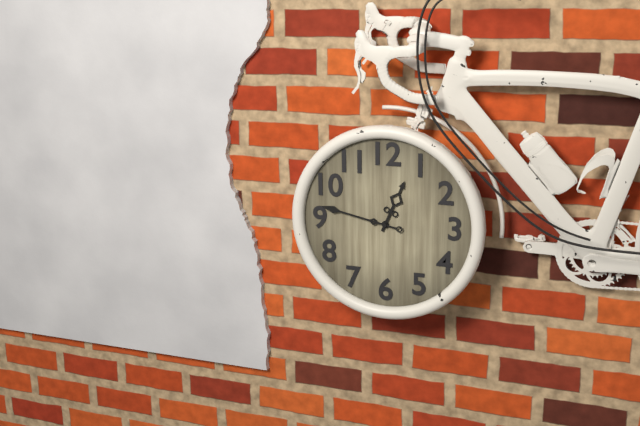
12:47
